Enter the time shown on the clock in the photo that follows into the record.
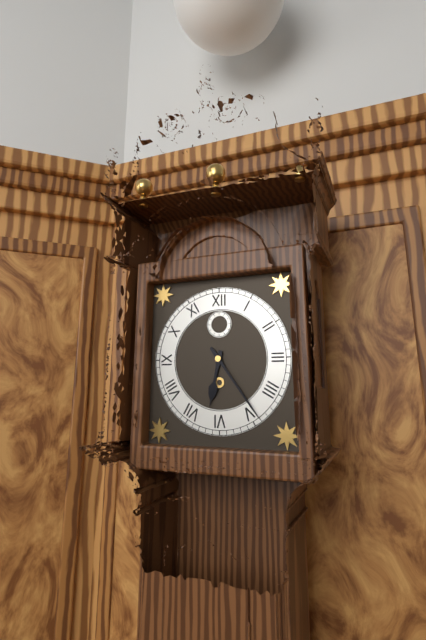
6:24
